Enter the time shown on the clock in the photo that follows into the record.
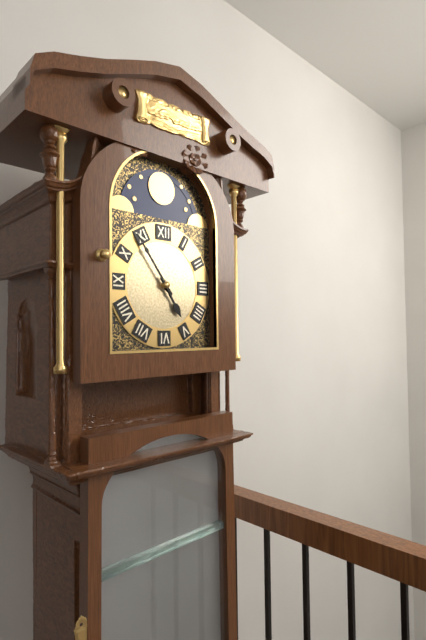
4:54
